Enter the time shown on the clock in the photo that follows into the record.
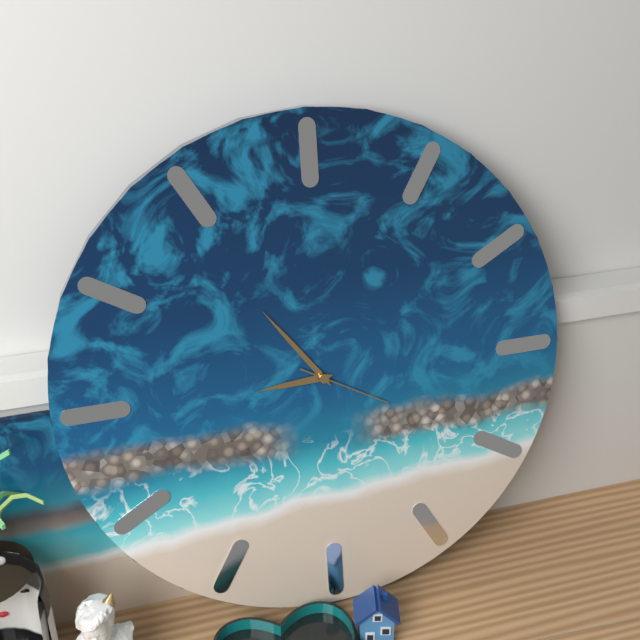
8:54:20
